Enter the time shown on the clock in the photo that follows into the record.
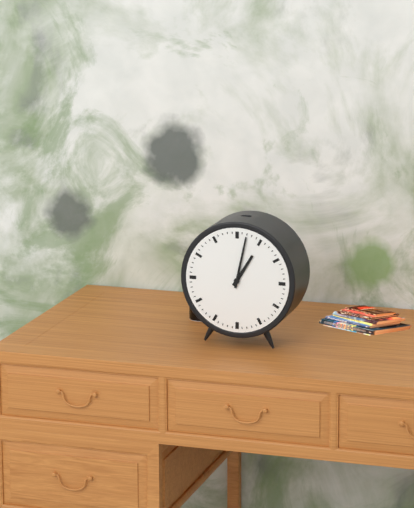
1:02
